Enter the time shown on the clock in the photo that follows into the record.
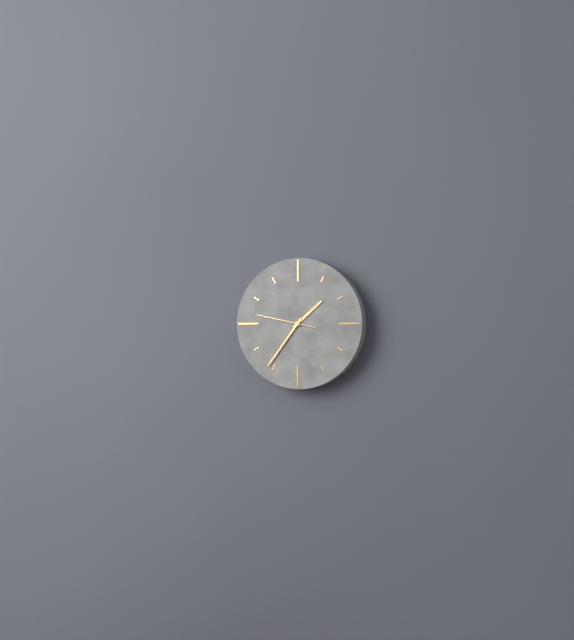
1:36:47
